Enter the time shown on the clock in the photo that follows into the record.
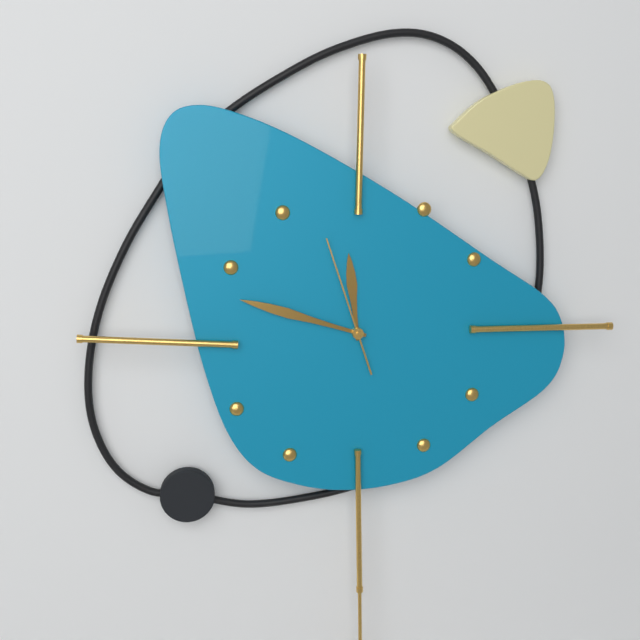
11:48:57
